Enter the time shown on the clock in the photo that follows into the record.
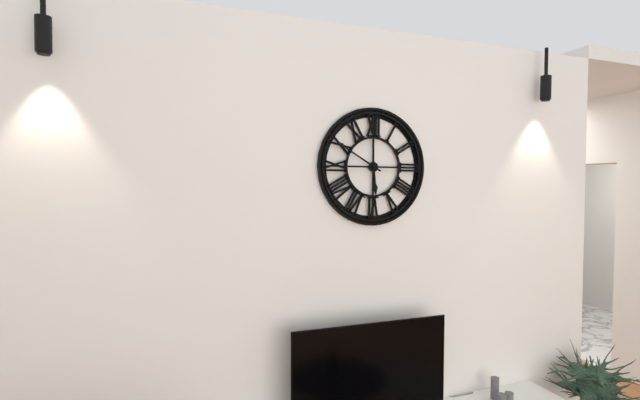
5:50
